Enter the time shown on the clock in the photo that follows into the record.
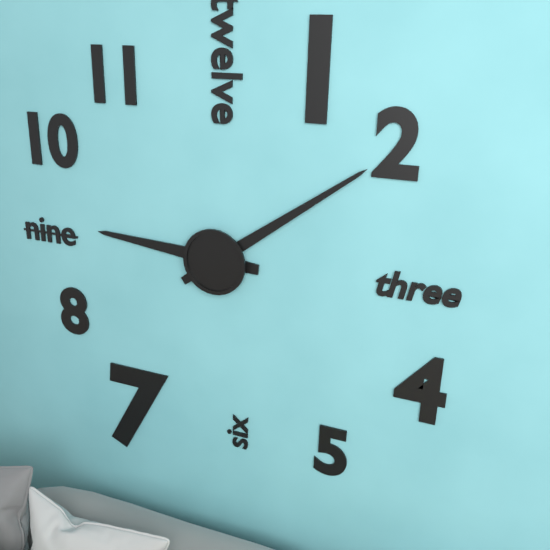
9:09
